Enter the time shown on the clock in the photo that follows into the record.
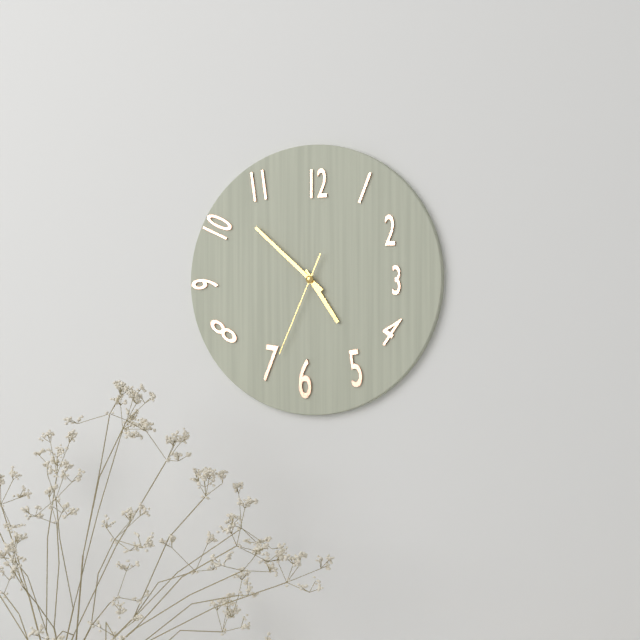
4:52:34
